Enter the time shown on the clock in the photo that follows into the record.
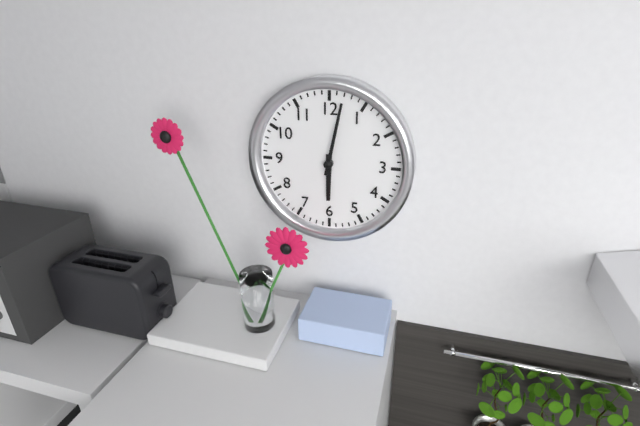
6:02
